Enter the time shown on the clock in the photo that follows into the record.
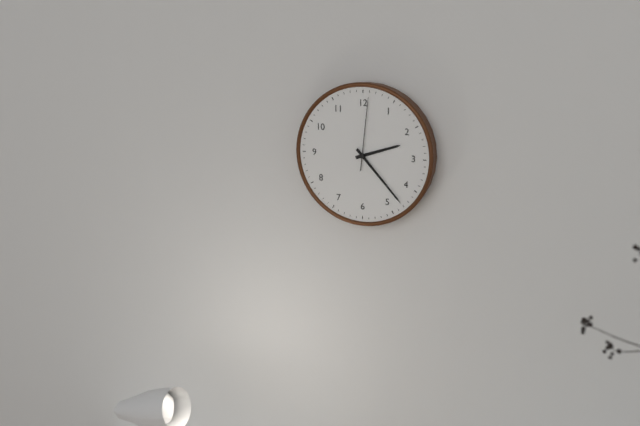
2:23:01
